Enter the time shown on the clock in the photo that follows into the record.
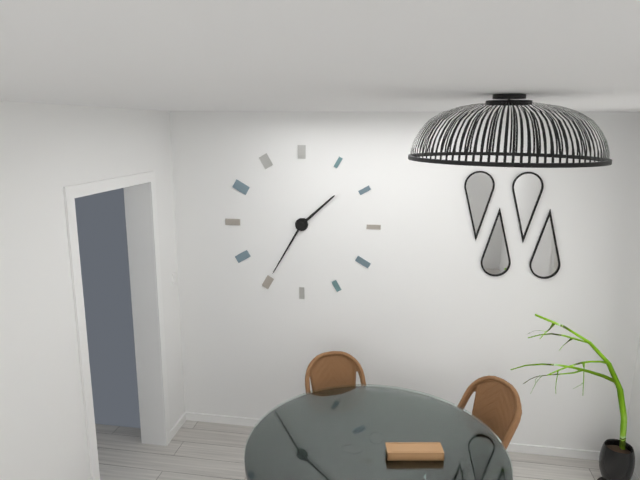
1:35
